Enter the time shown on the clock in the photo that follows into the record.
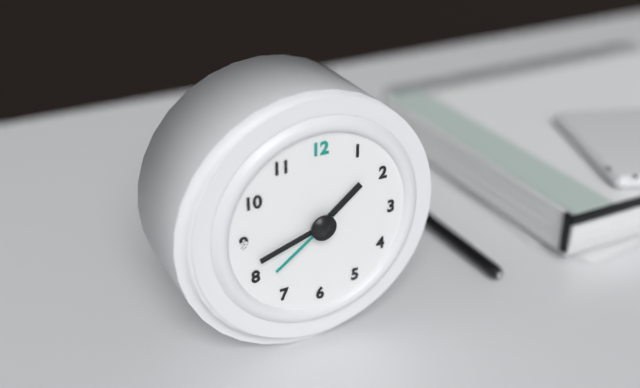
1:42:39
